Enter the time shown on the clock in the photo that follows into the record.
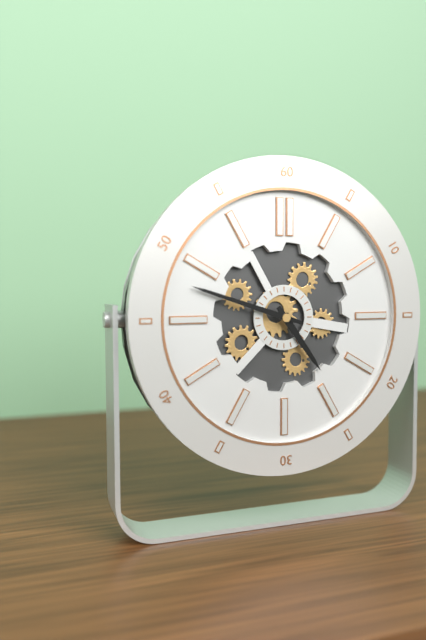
4:48
